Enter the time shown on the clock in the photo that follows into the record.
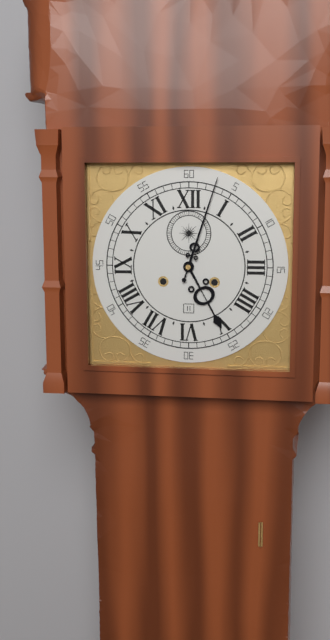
5:03
